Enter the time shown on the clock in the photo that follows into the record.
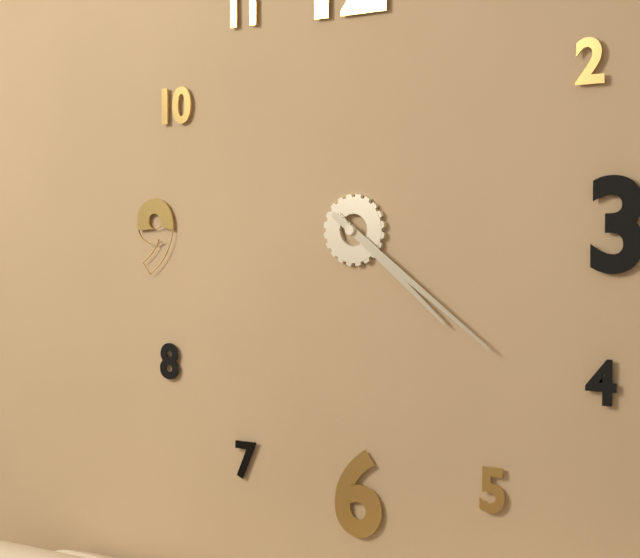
4:21
